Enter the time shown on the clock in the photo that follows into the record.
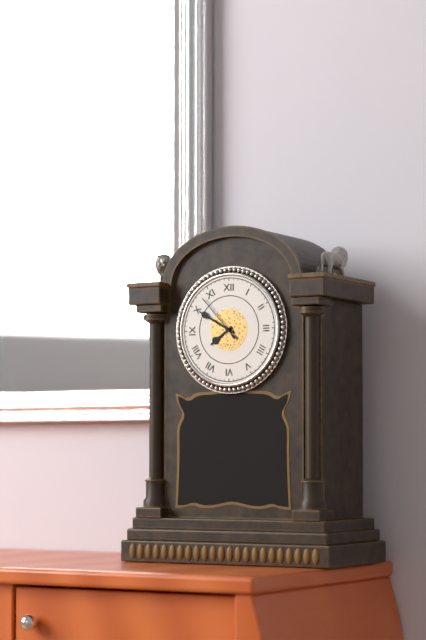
7:50:53
